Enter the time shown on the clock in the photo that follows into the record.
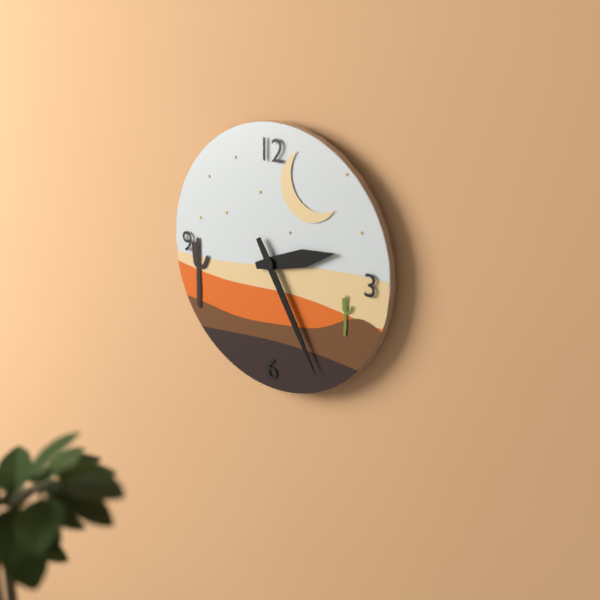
2:25
